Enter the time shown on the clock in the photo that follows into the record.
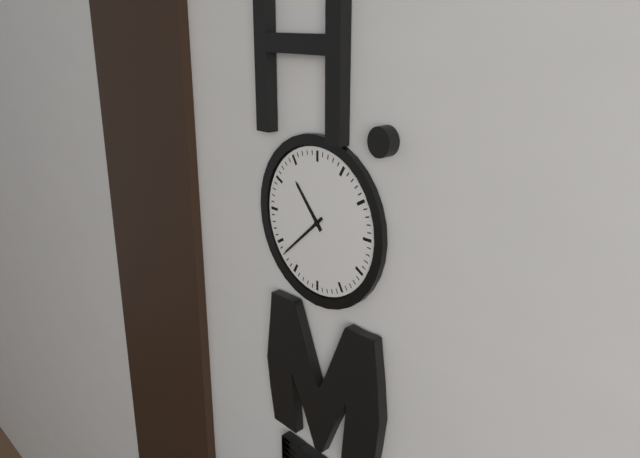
10:38
